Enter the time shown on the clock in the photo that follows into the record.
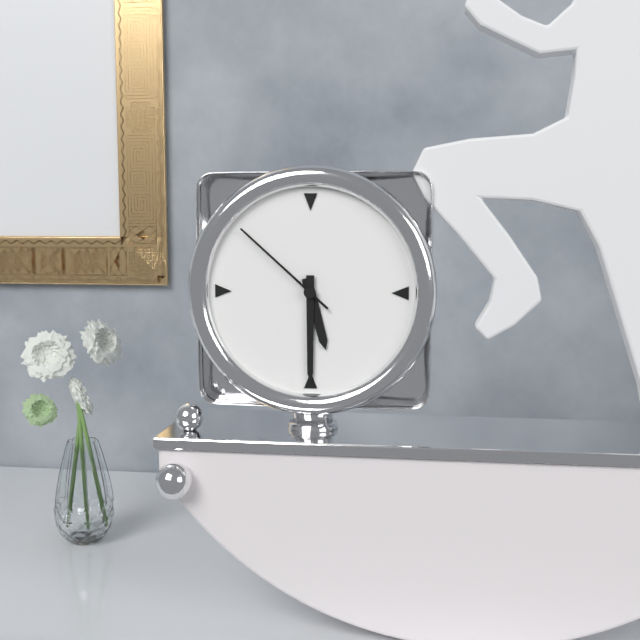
5:30:52
